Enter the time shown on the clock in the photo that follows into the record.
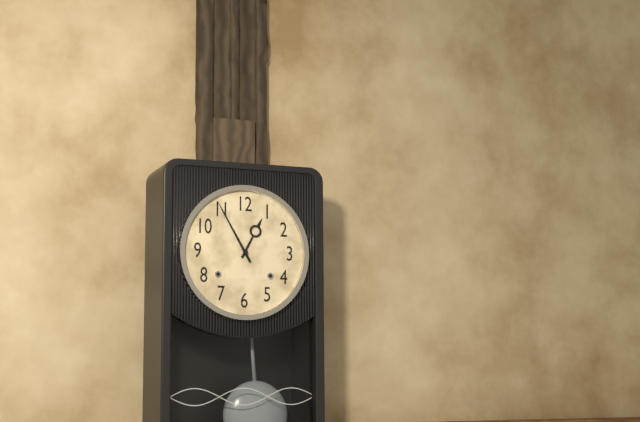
12:55
